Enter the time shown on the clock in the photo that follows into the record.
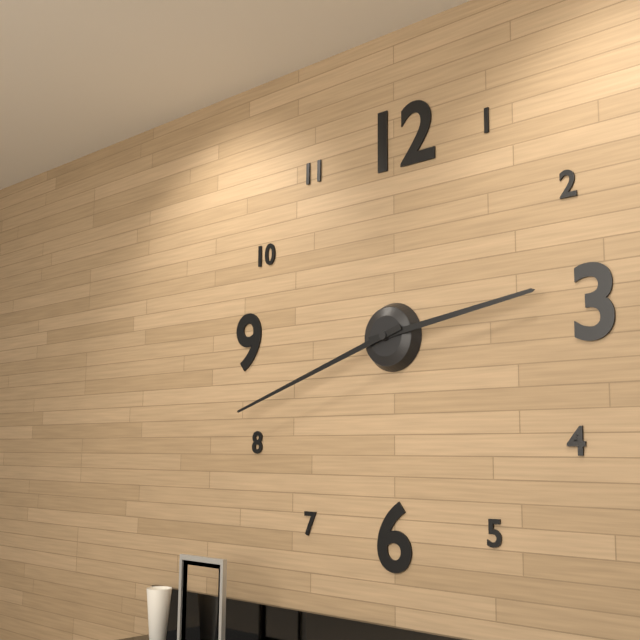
2:42
